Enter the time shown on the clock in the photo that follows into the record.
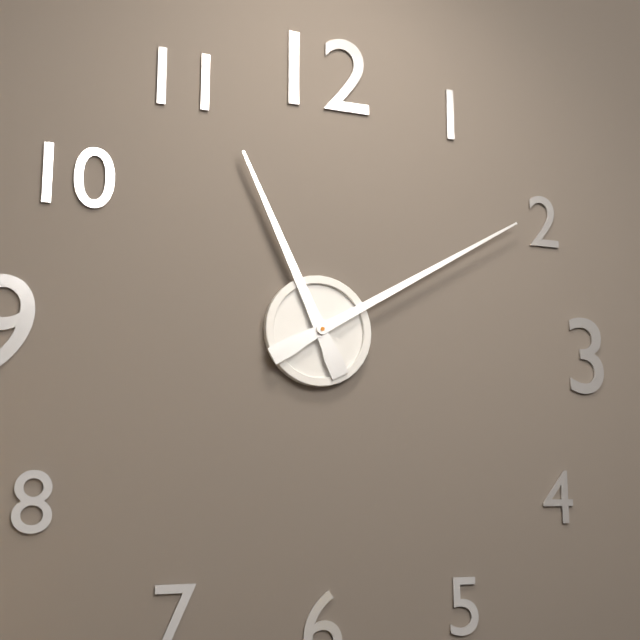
11:10
